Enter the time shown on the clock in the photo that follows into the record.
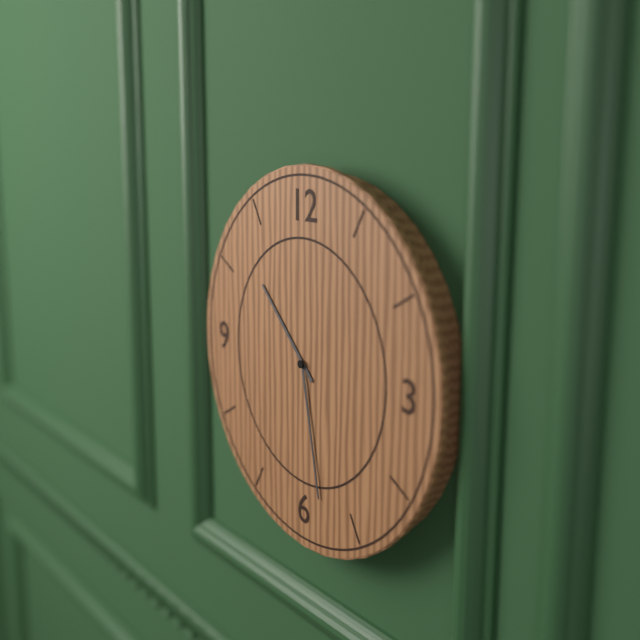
10:28
